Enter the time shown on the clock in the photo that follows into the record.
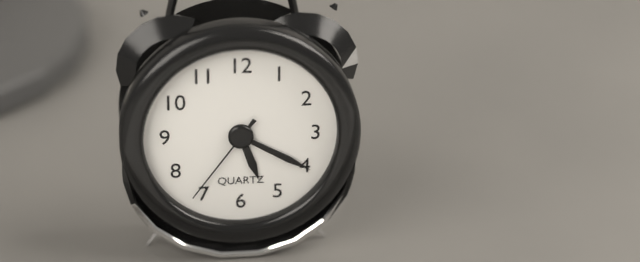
5:20:36
